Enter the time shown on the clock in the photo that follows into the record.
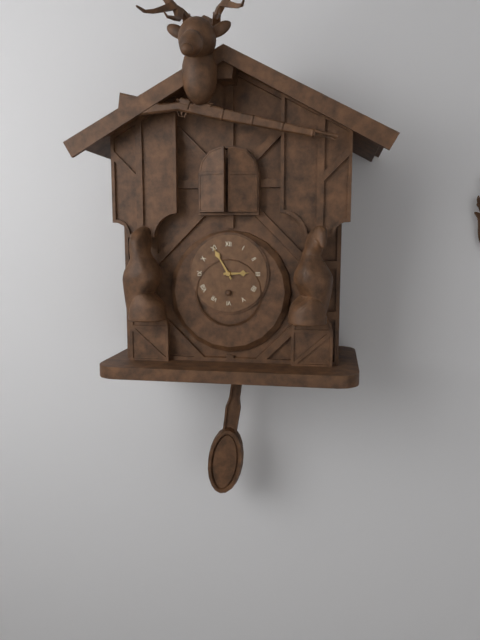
2:55
